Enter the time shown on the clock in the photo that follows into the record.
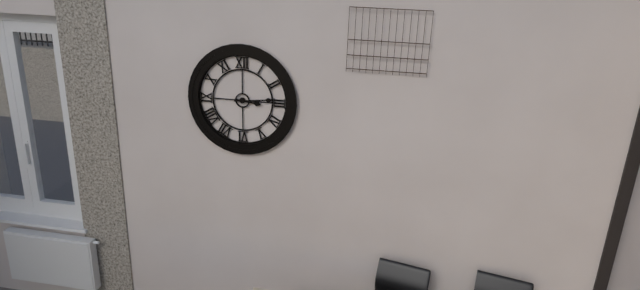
3:14
